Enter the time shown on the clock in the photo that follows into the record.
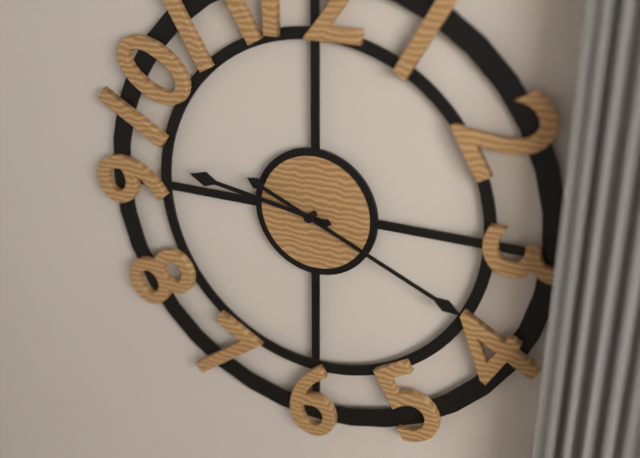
9:19
